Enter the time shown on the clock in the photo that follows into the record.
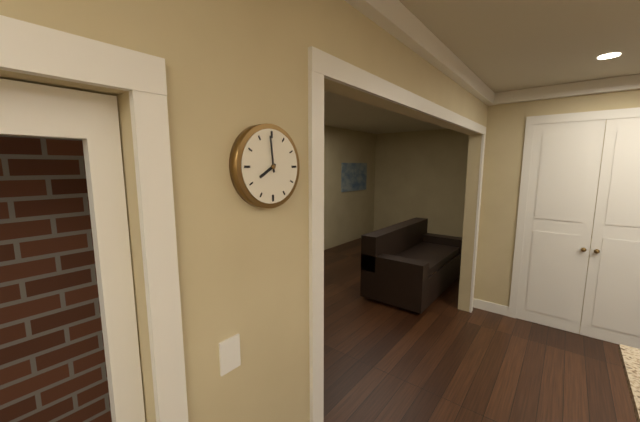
7:59
